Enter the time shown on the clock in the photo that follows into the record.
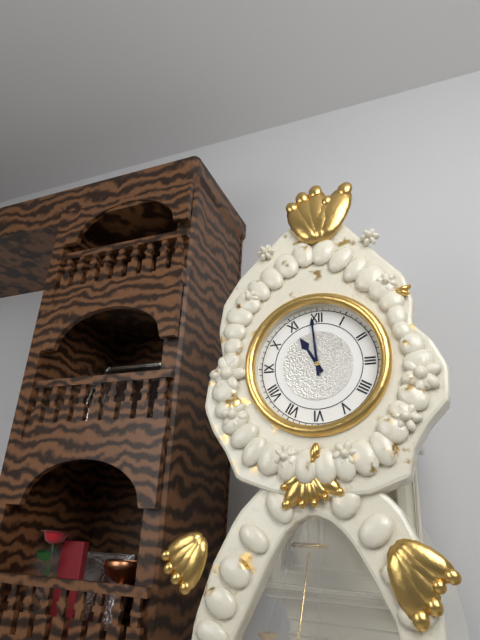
10:59
